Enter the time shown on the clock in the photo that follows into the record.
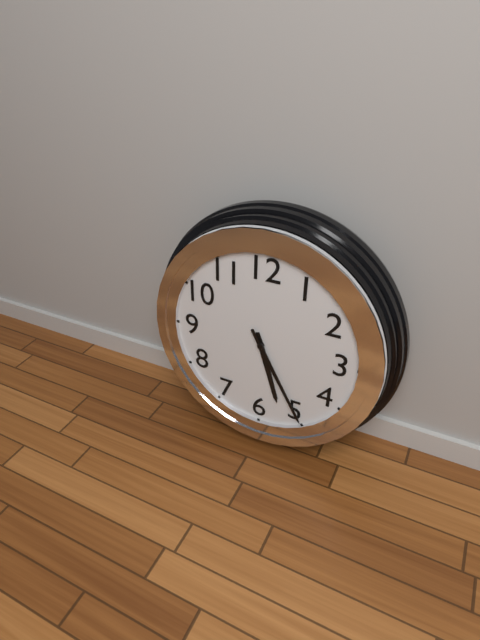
5:25
